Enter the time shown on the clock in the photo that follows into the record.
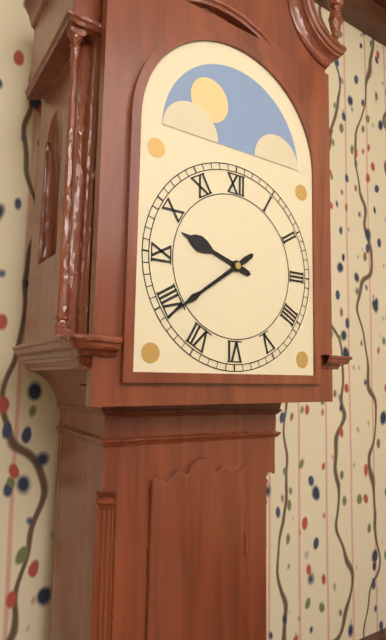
9:39
